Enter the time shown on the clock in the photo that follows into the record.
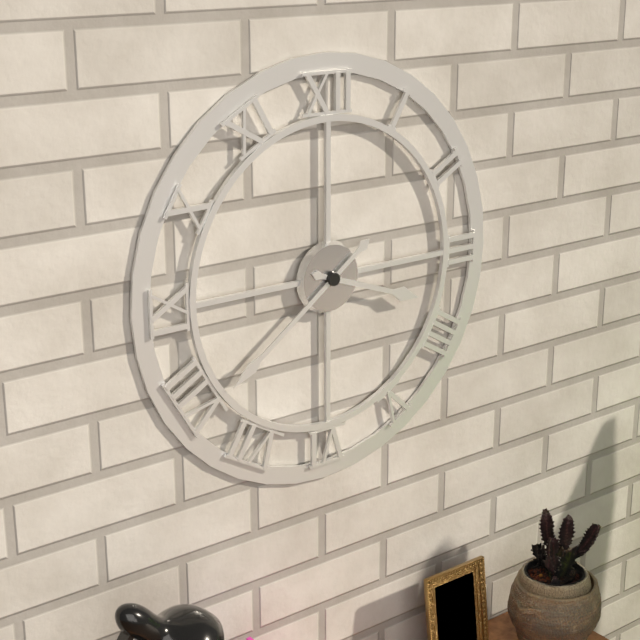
3:39
